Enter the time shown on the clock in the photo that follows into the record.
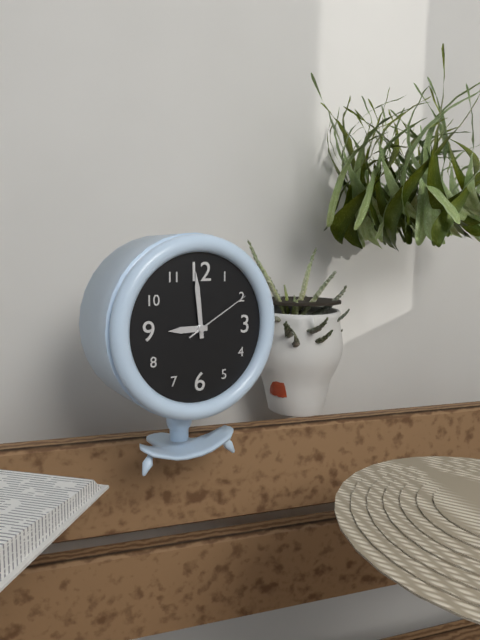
8:59:10
